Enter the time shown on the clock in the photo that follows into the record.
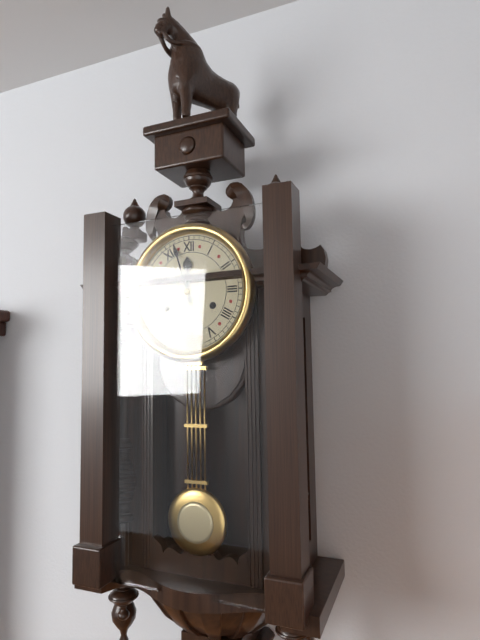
11:57
